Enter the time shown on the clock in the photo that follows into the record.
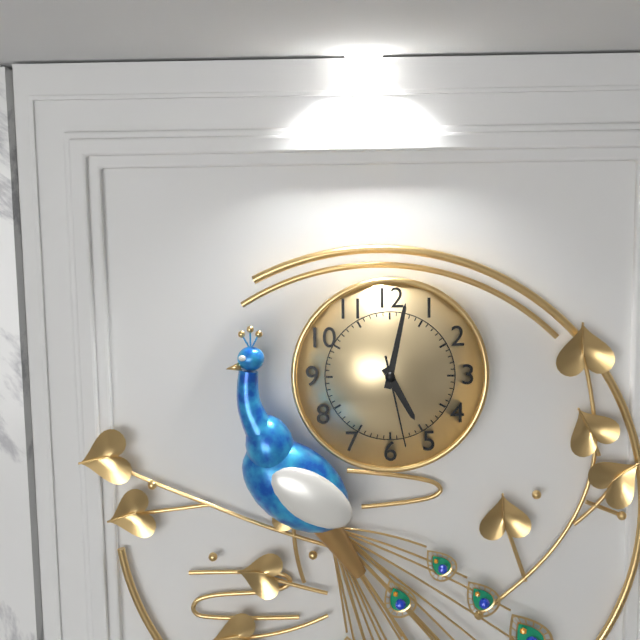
5:02:28
